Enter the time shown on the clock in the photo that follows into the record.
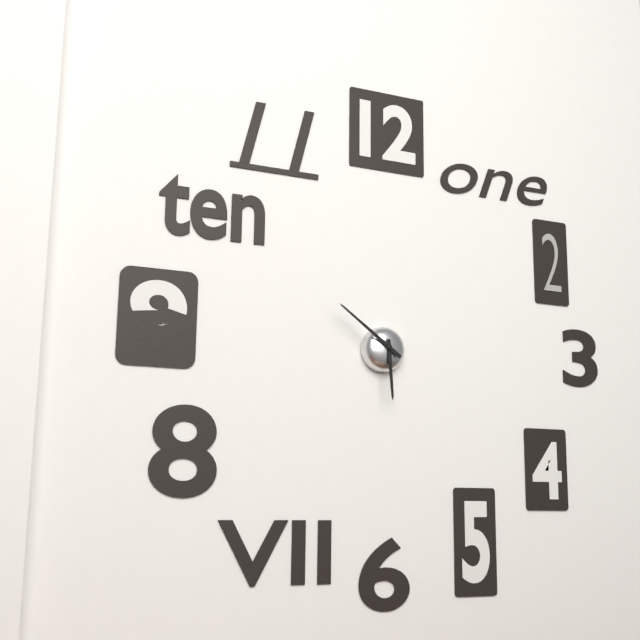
5:51
